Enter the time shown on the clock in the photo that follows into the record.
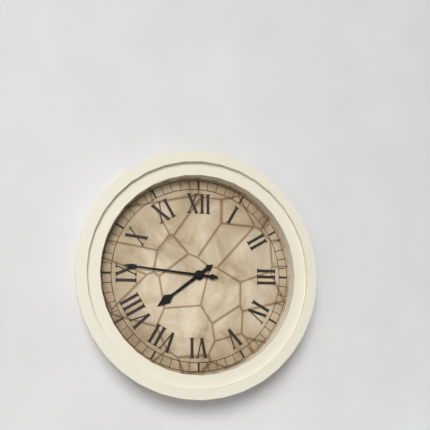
7:46
